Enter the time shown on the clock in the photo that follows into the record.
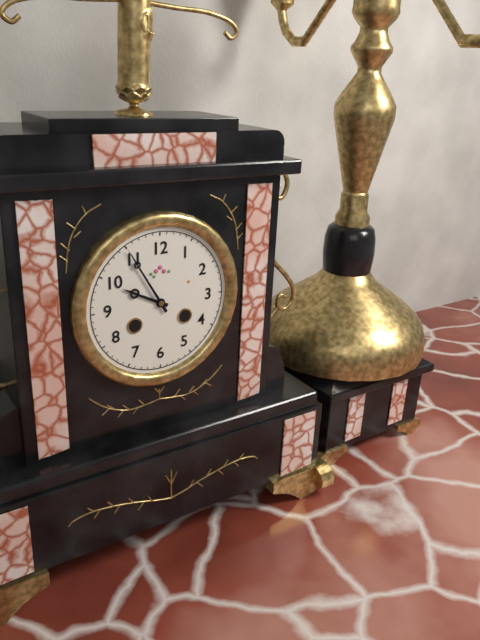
9:55
